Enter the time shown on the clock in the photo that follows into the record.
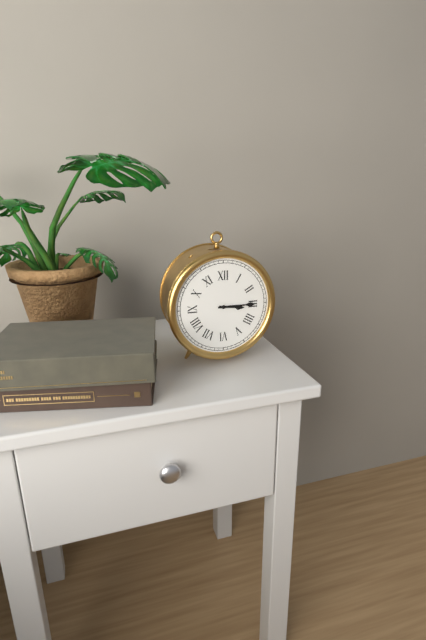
3:15
